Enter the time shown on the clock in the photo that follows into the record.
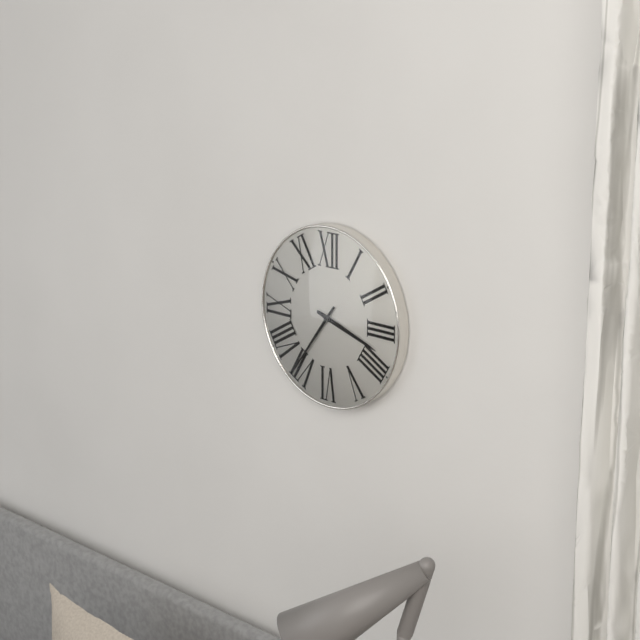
3:36
